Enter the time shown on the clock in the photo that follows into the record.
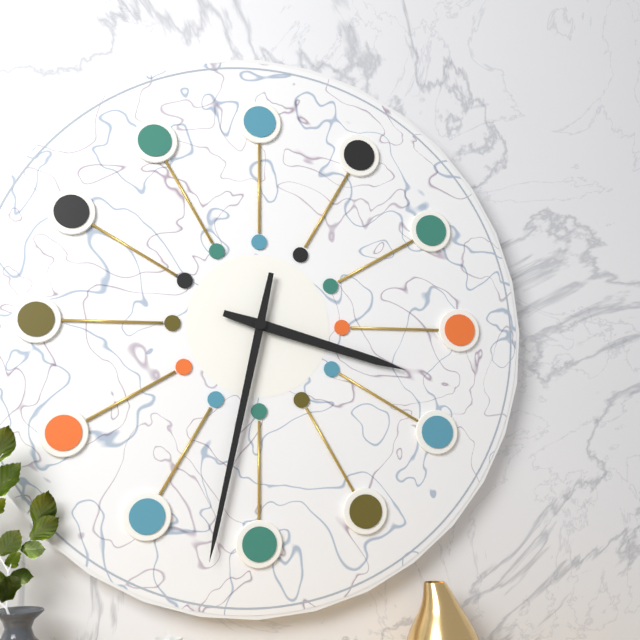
3:32
